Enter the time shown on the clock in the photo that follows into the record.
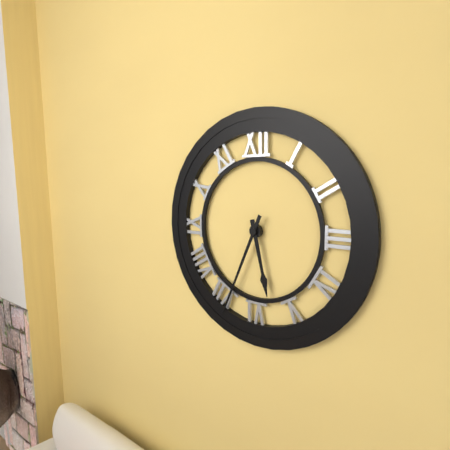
5:34
